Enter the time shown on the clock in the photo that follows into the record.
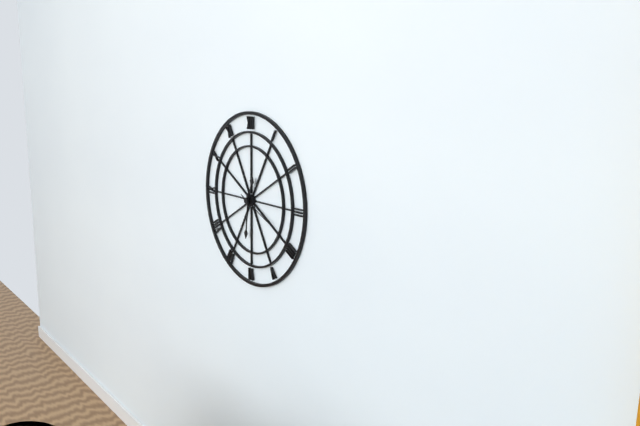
12:31
